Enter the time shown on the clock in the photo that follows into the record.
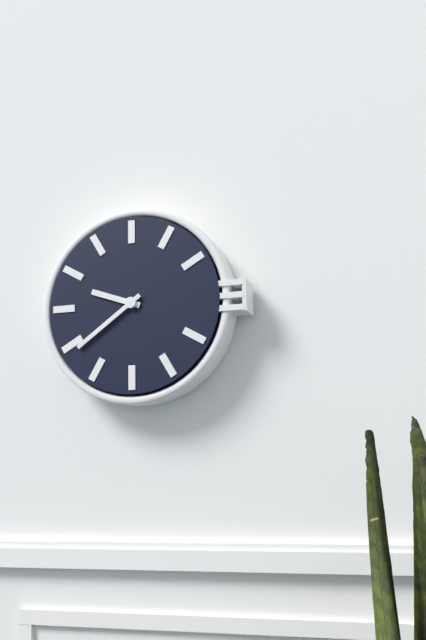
9:39
